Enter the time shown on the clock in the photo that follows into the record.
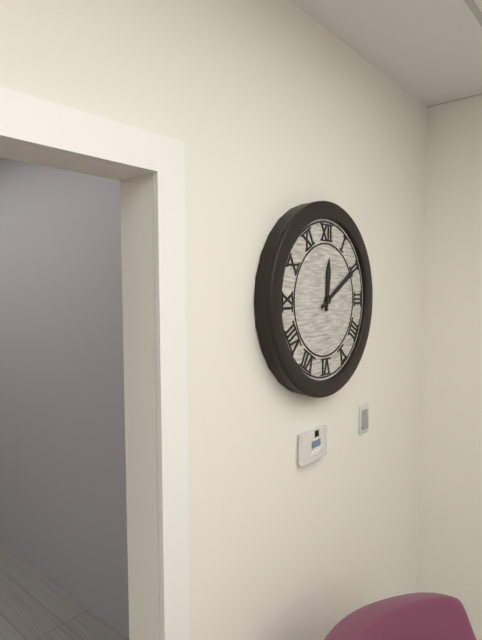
12:10
